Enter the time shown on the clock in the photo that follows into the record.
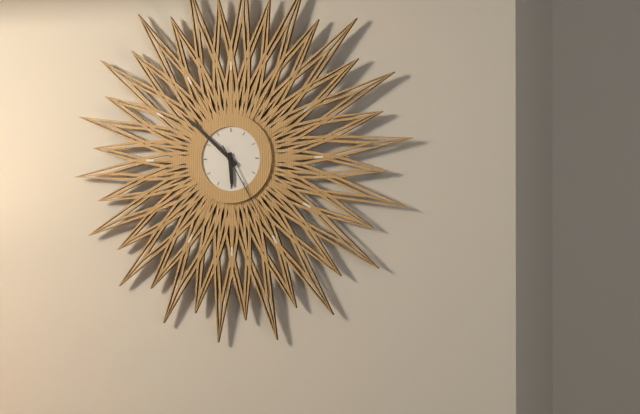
5:52:25
